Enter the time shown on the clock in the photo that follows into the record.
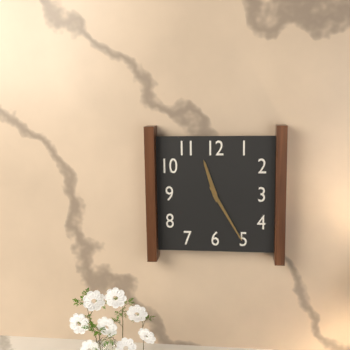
11:25
